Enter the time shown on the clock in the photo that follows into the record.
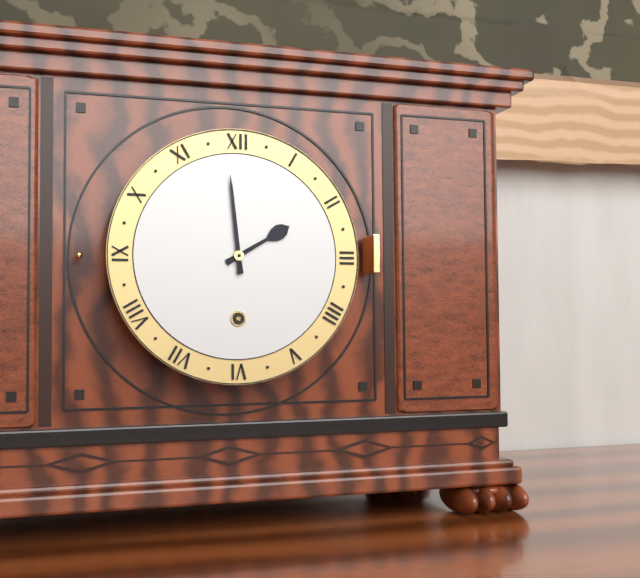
1:59
